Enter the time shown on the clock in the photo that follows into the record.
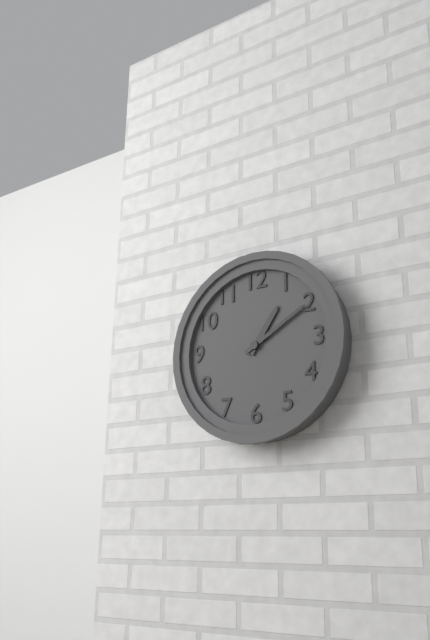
1:10
